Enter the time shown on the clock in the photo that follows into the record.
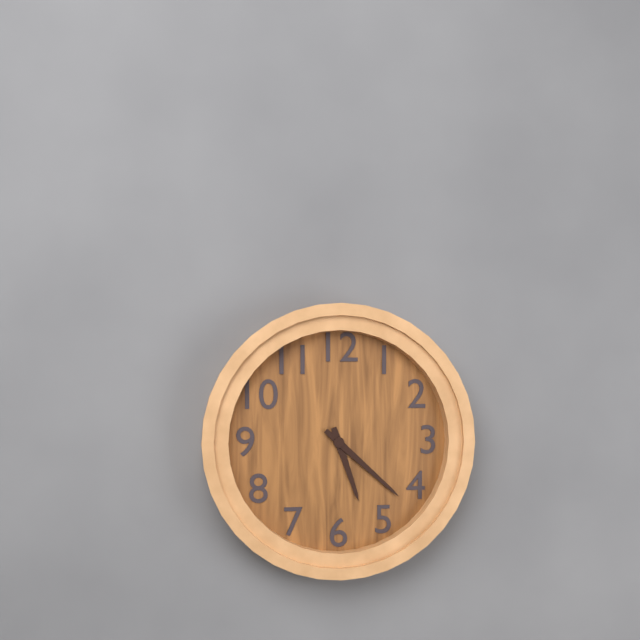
5:22
